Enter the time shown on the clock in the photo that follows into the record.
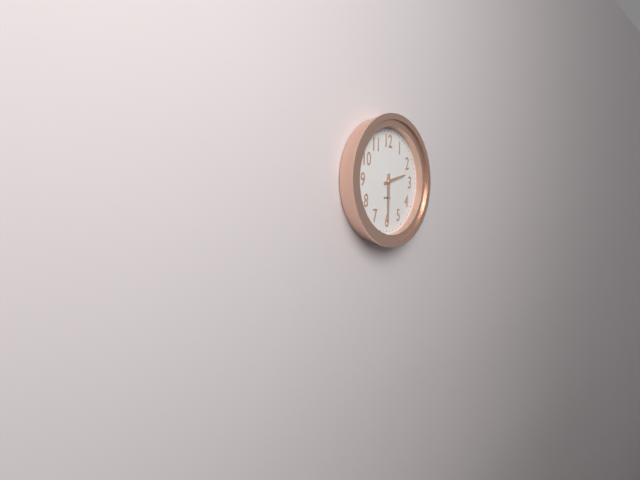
2:30
